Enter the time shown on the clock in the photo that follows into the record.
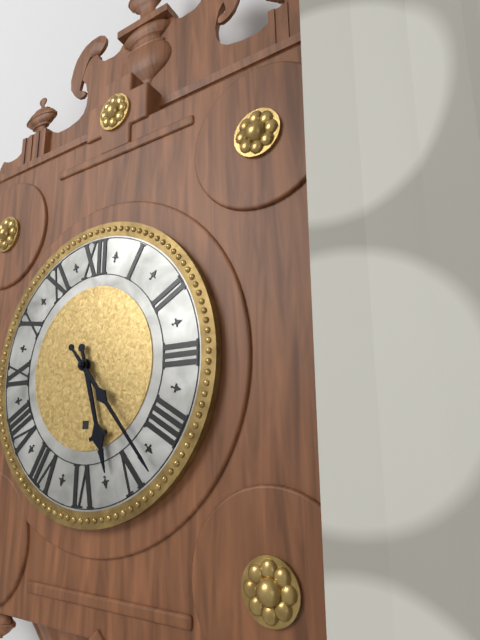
5:23
